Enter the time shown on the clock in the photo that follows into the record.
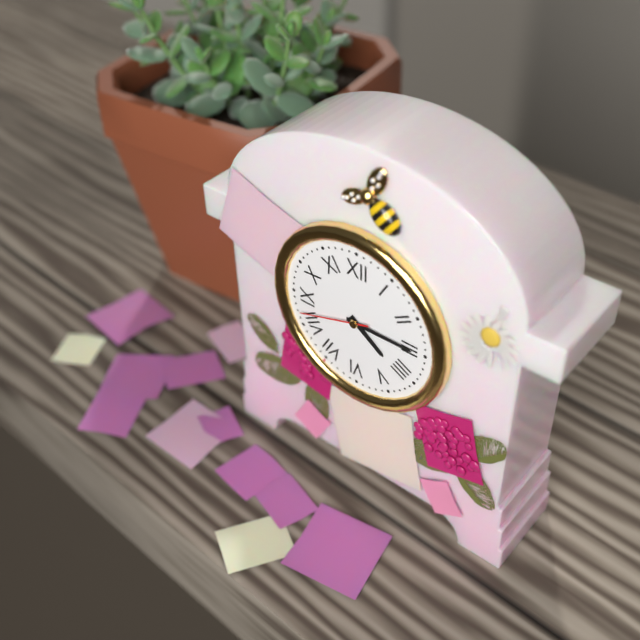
4:15:42
